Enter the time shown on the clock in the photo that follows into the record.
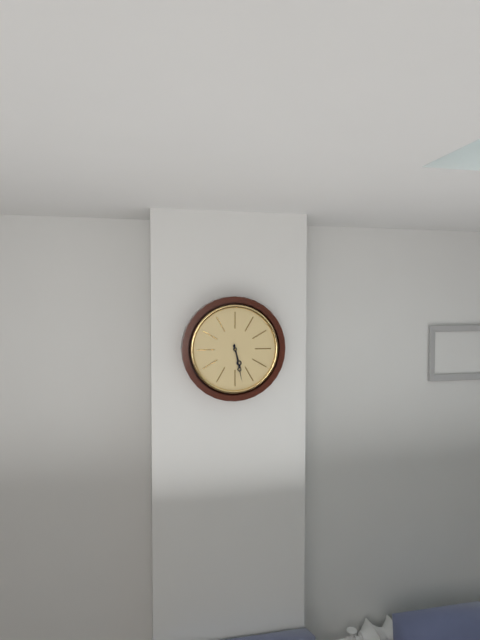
5:28
